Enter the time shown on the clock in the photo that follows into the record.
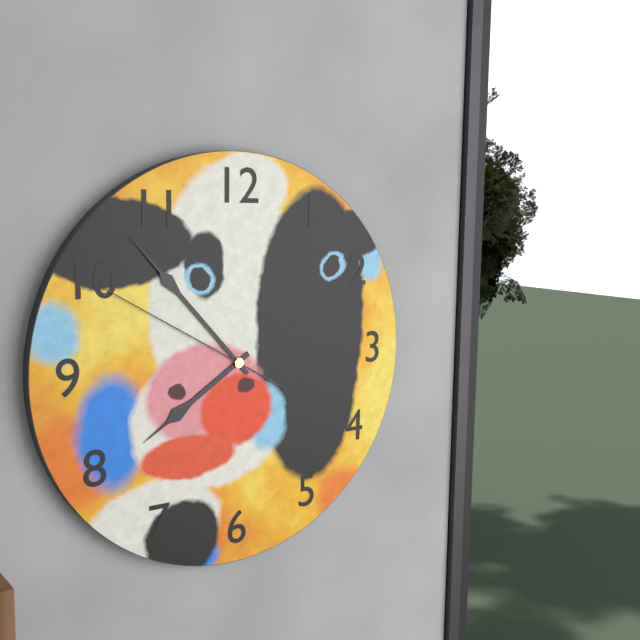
7:53:50
